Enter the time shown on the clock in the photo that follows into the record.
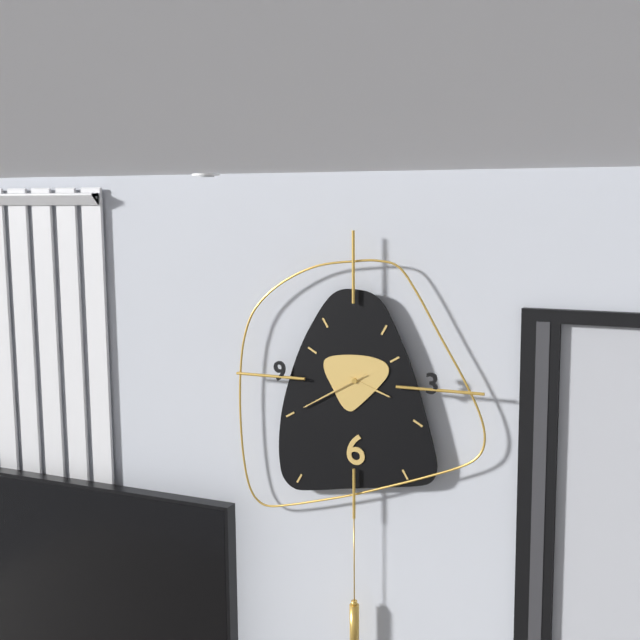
3:40:40
